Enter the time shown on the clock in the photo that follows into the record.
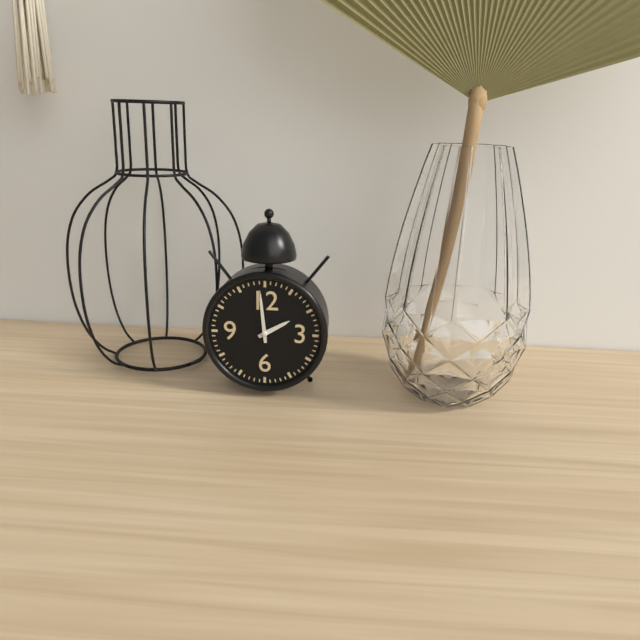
1:59
